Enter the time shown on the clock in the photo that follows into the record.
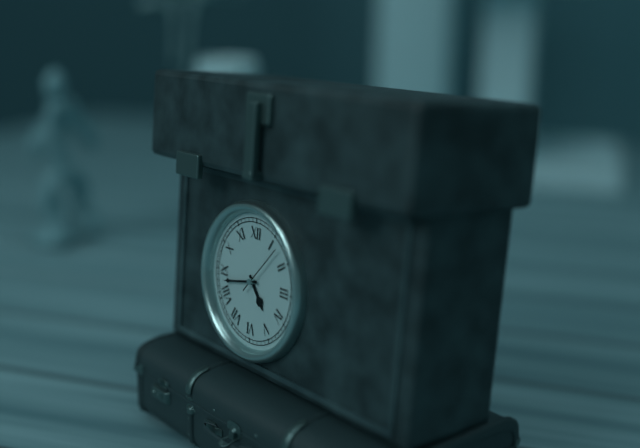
4:43
